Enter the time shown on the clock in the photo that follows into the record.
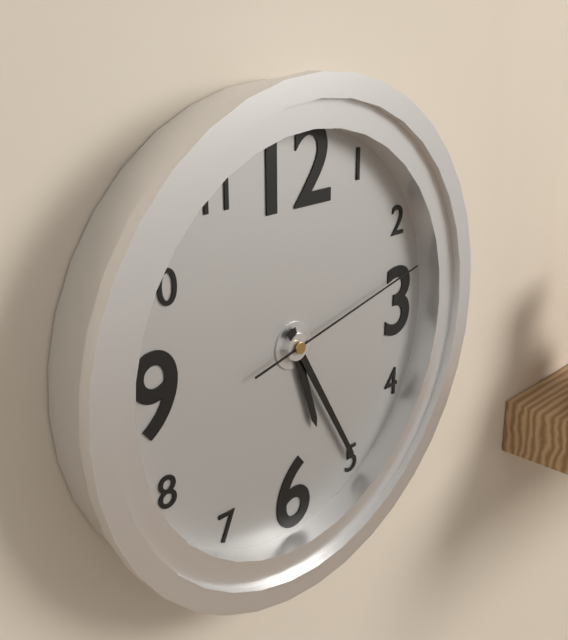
5:25:13
